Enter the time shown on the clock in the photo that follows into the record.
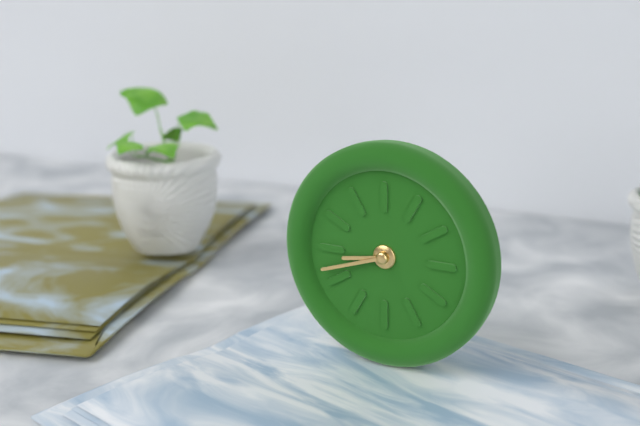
8:42
